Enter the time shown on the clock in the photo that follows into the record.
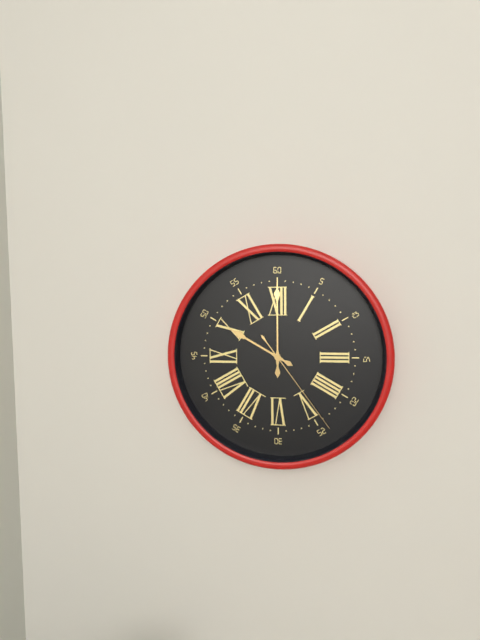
10:00:24
